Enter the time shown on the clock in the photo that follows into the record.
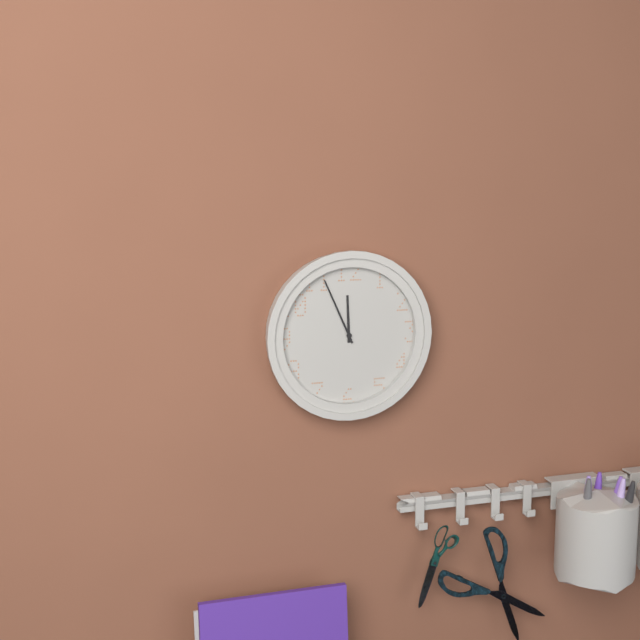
11:56
